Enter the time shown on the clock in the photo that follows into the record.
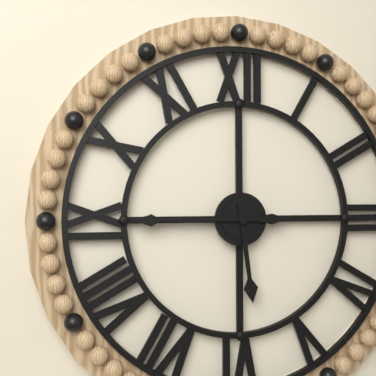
5:45
